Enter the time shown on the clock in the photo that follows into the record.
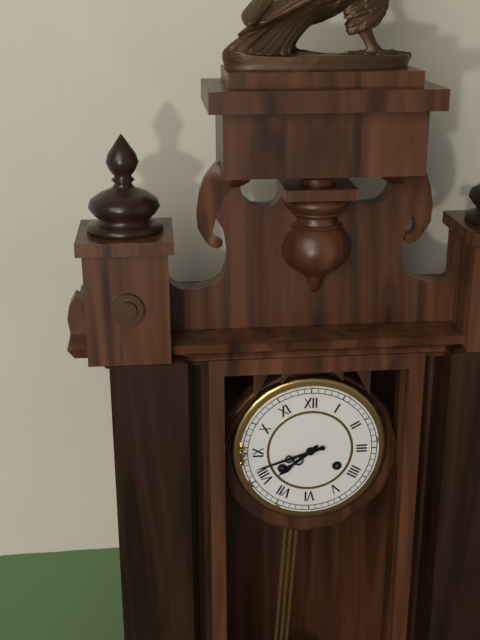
7:42
